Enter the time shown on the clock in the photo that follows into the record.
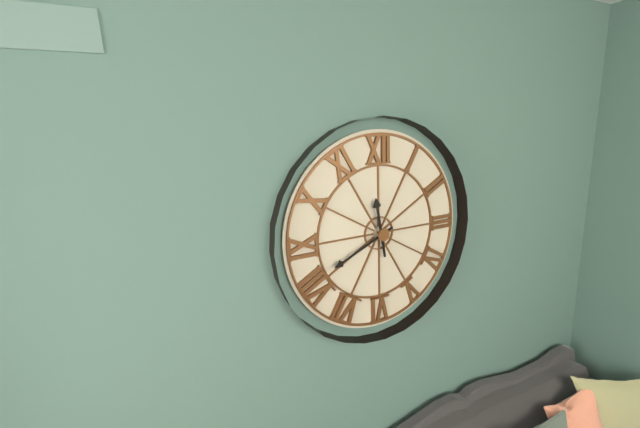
11:41
